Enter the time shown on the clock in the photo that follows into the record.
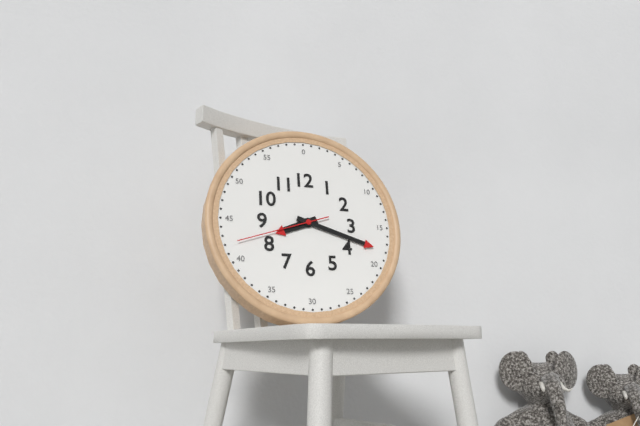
8:18:42
